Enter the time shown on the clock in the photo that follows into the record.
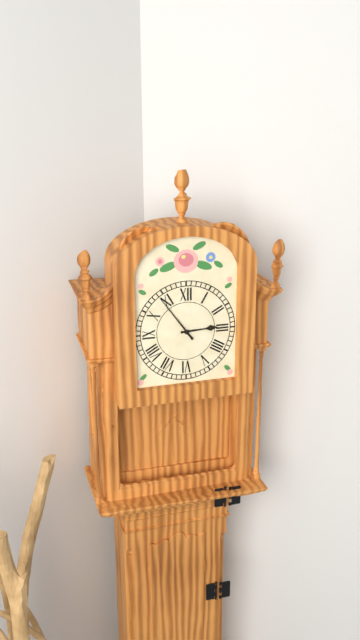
2:54
